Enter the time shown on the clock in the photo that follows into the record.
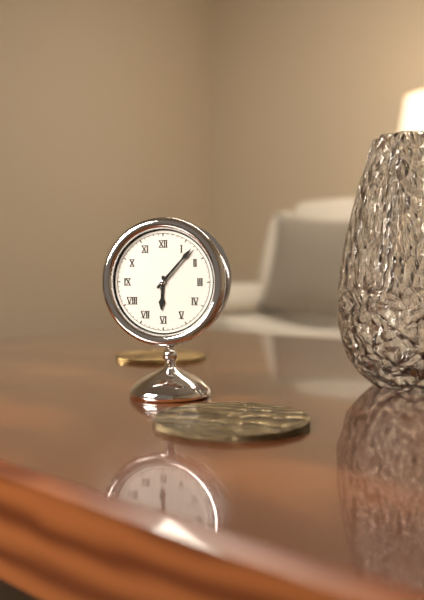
6:07
